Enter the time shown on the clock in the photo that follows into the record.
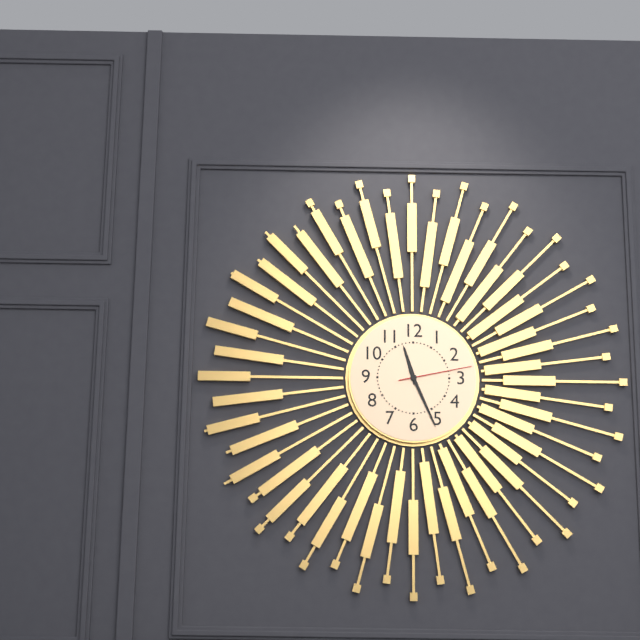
11:26:13
